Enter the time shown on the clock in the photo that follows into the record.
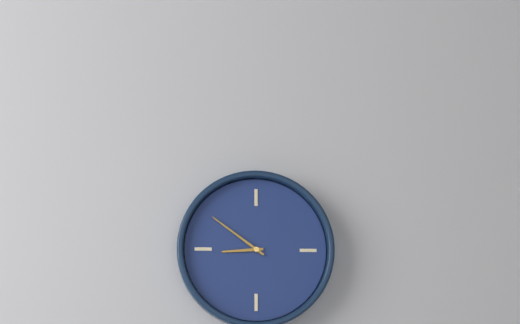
8:51
